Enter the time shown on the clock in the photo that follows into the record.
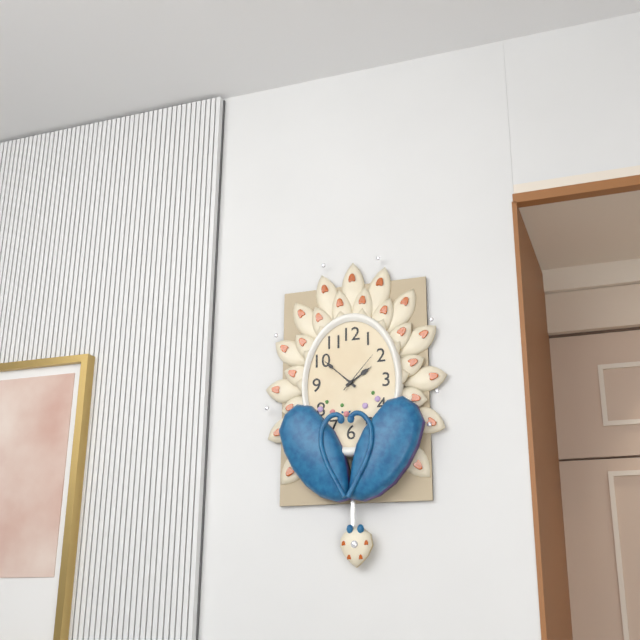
1:52
